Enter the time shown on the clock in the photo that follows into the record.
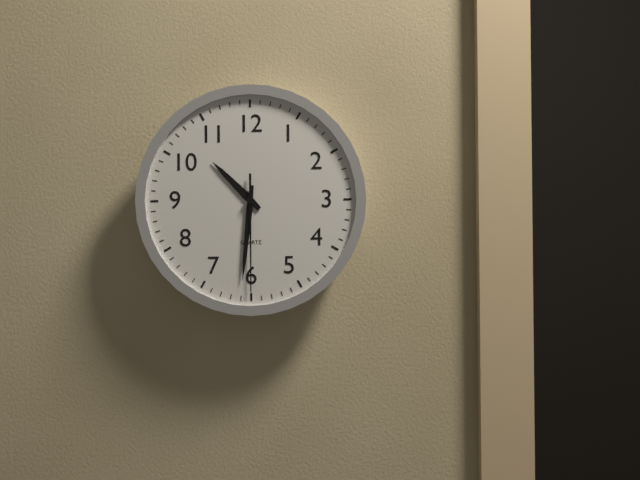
10:31:30
